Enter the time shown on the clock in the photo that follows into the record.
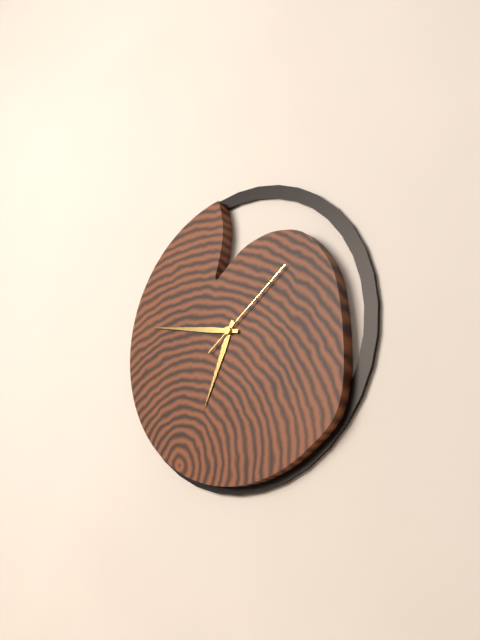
6:47:09
